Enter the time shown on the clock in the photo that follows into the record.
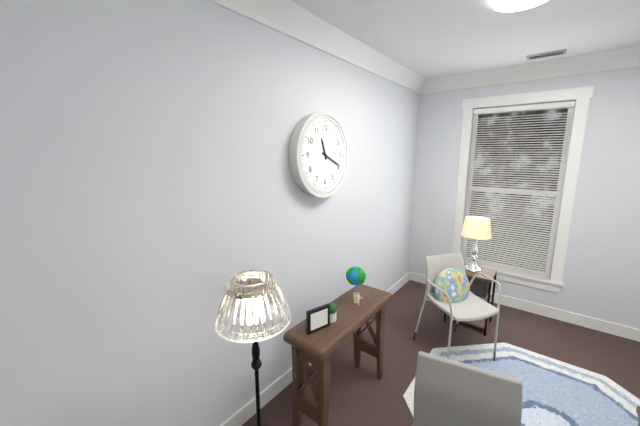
11:19
